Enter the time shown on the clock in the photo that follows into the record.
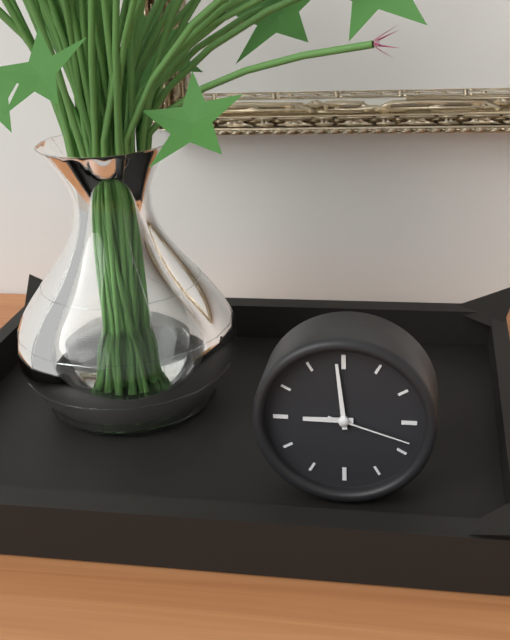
8:59:18
